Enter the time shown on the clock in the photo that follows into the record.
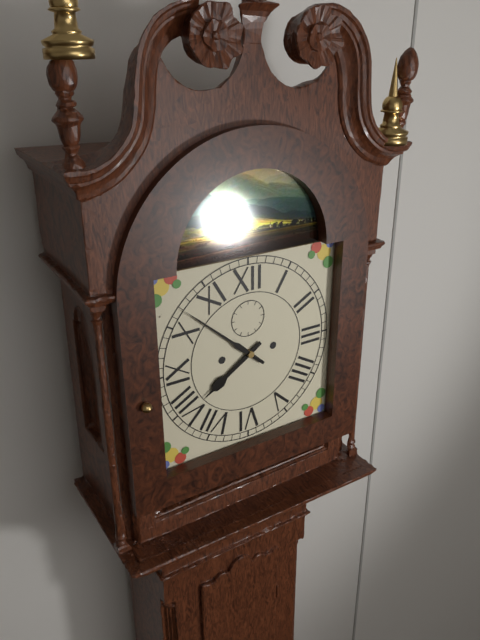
7:52
